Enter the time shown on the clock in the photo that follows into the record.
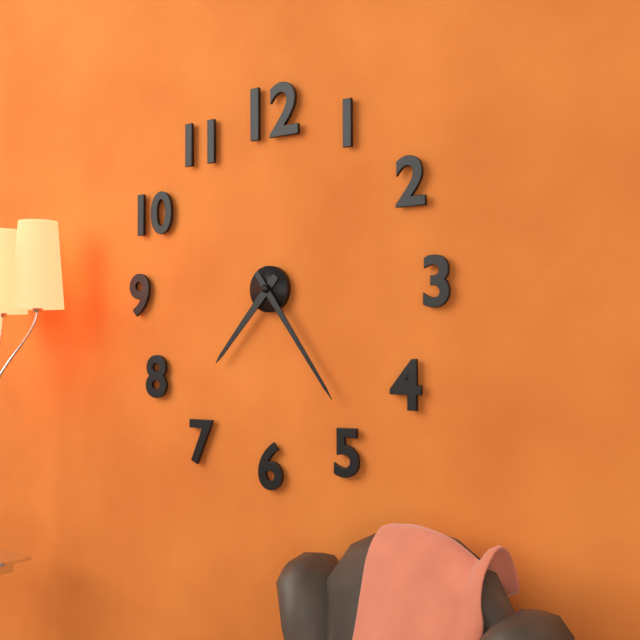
7:24
